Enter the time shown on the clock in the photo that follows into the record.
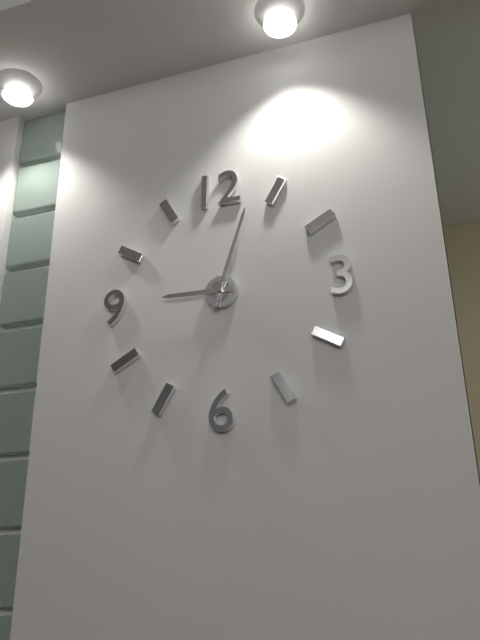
9:03
